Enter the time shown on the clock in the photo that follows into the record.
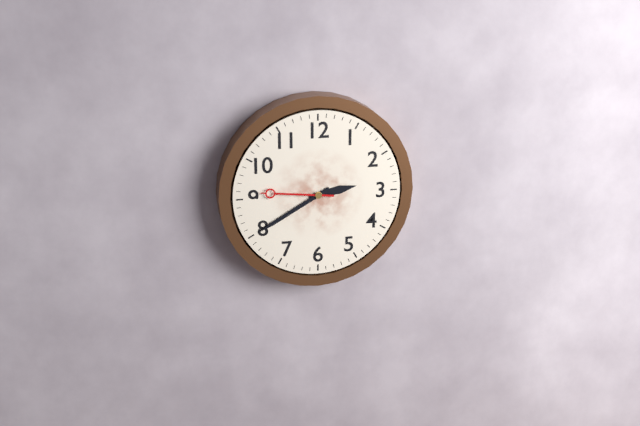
2:40:46
